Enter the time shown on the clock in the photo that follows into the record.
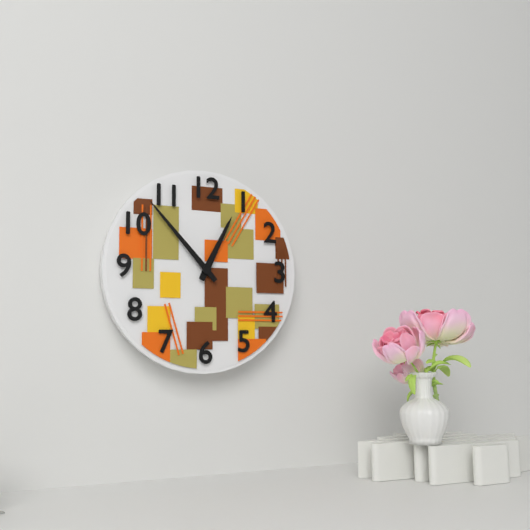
12:53
